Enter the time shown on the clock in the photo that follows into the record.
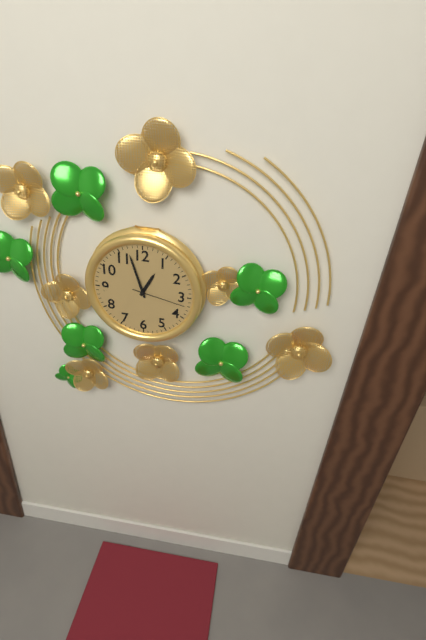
12:57:17
